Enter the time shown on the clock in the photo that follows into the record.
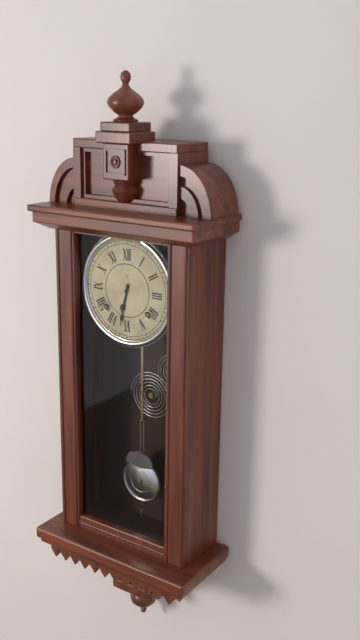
6:32
